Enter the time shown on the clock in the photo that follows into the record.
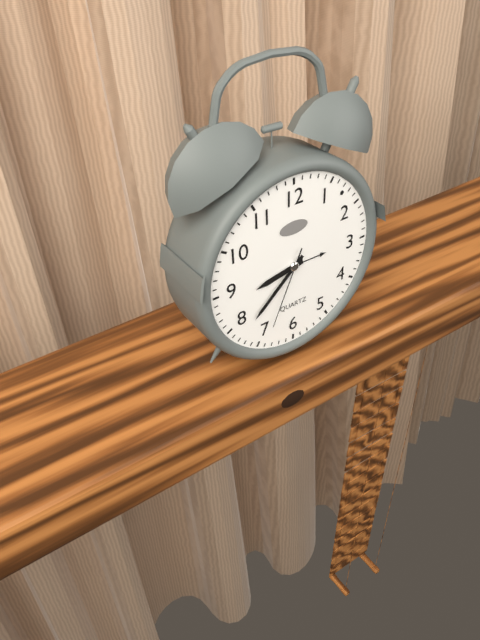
8:38:34
